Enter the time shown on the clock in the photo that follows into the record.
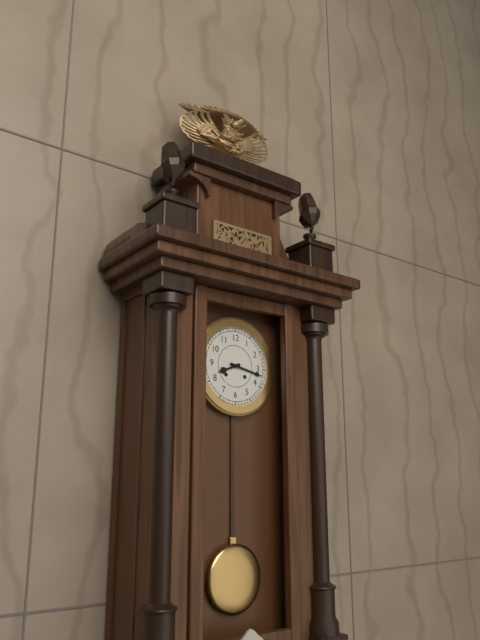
8:17
